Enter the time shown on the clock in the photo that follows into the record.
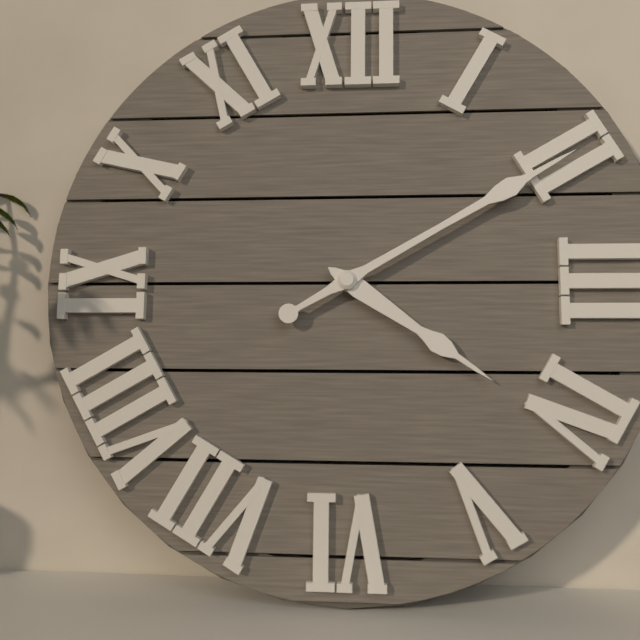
4:10
